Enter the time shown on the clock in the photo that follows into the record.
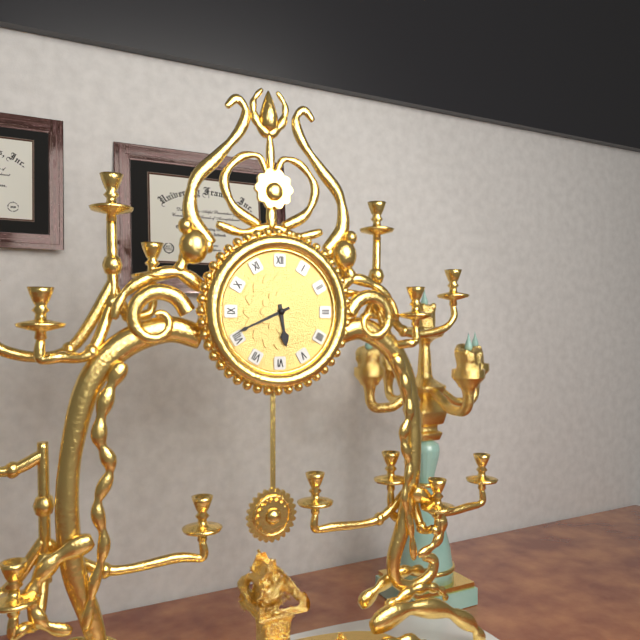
5:41
